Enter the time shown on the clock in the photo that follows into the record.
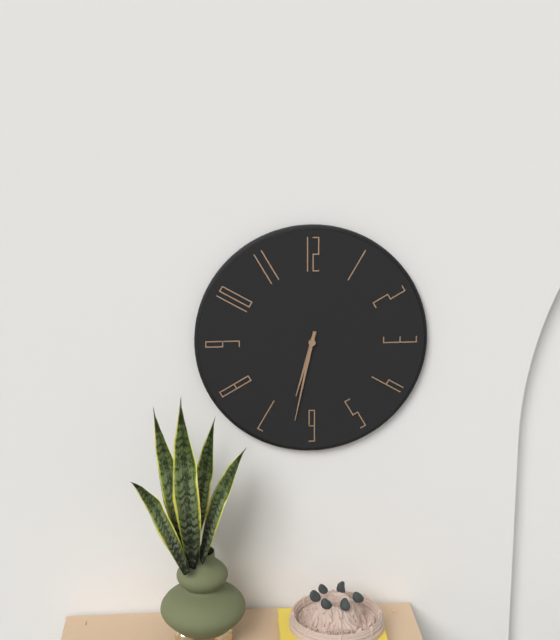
6:32
